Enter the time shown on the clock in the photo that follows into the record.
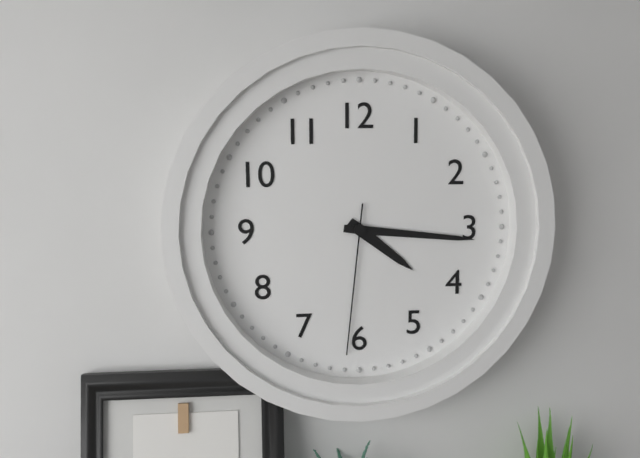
4:16:31
